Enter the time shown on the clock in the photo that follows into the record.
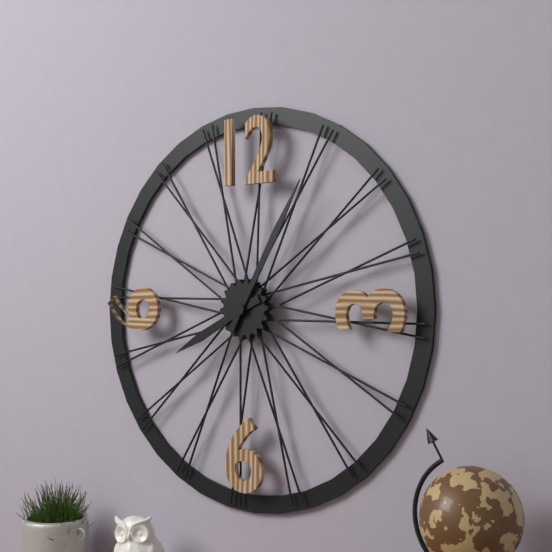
8:05
